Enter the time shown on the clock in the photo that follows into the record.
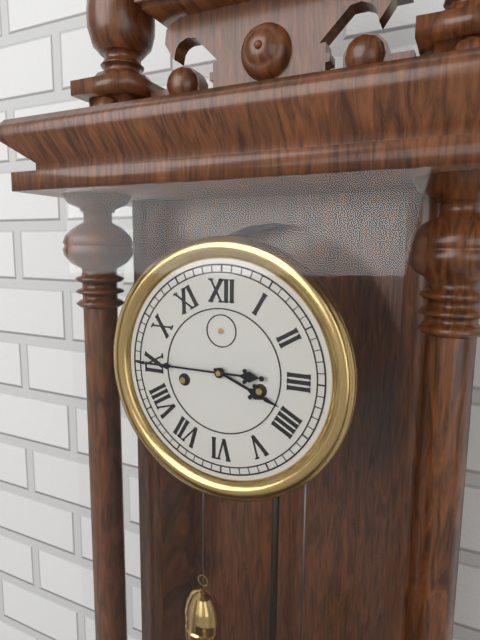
3:45
